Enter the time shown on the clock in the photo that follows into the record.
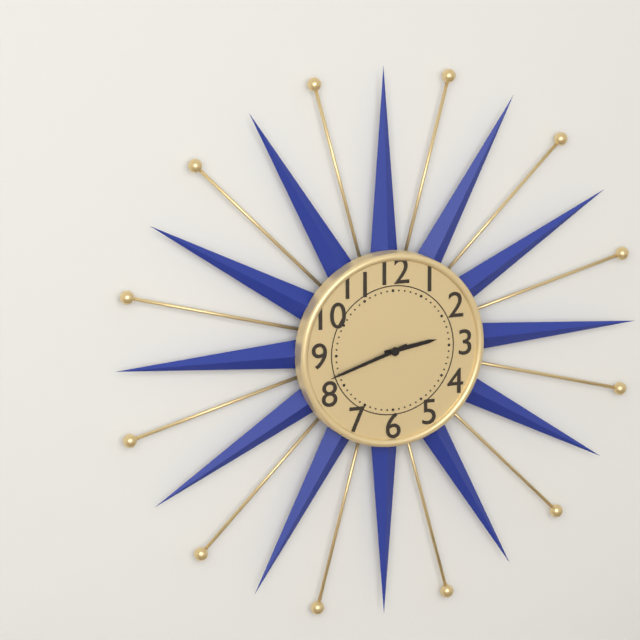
2:42
